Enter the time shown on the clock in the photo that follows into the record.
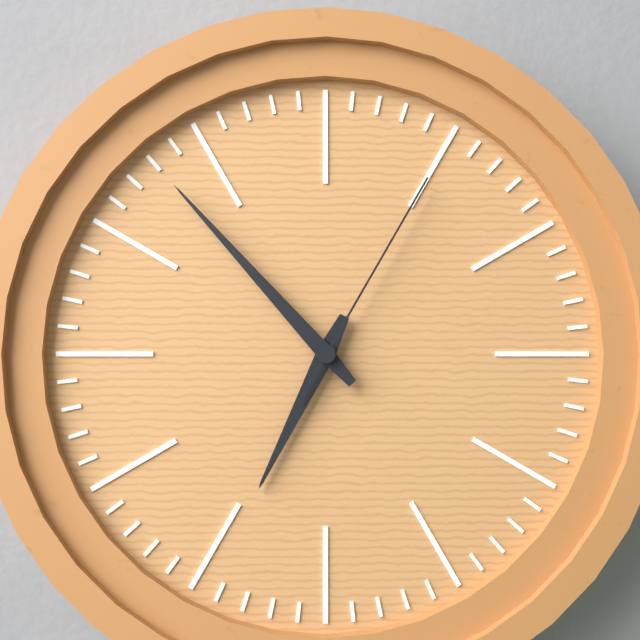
6:53:05
